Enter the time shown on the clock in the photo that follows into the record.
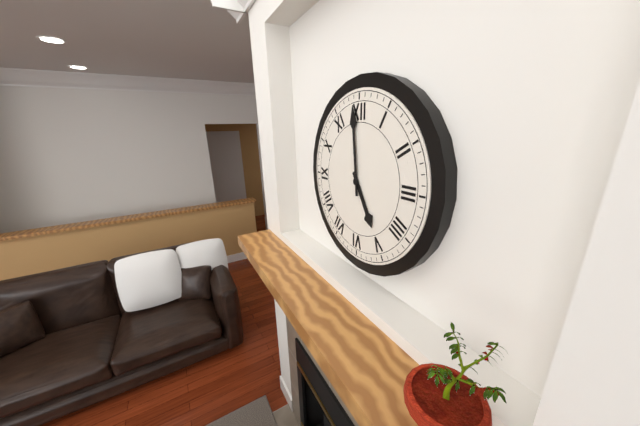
4:59
